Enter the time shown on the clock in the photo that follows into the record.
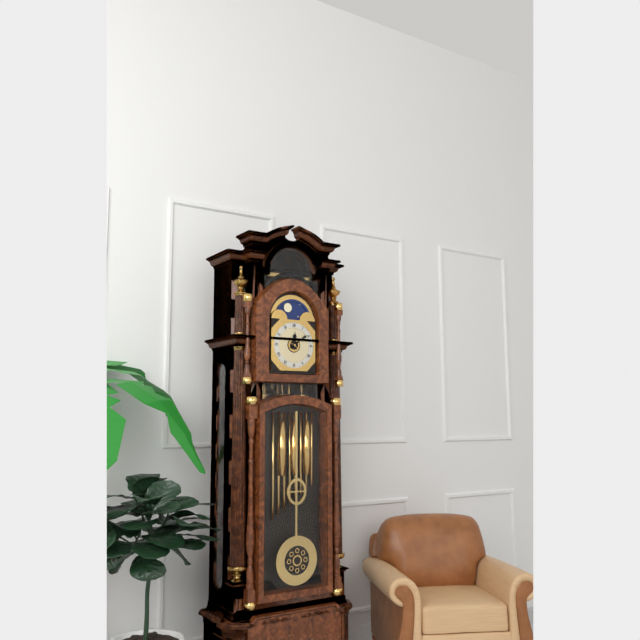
12:09
